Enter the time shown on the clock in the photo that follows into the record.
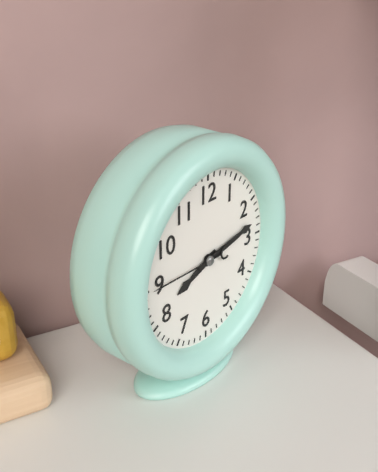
8:13:45
